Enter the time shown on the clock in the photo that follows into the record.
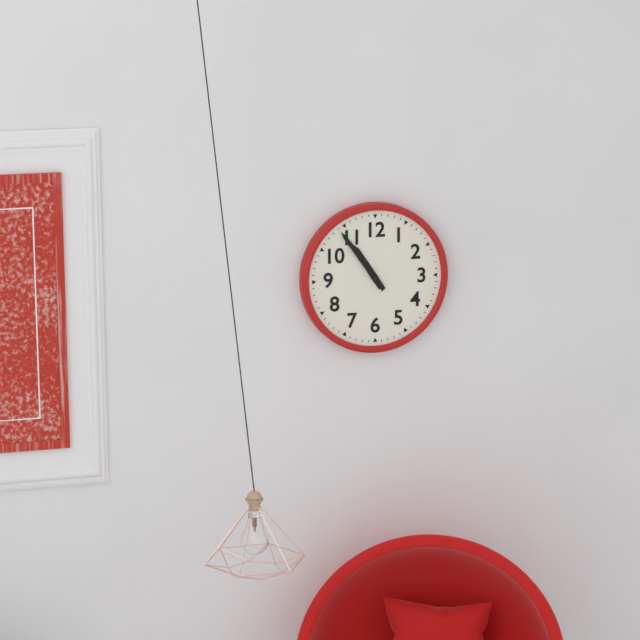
10:54
